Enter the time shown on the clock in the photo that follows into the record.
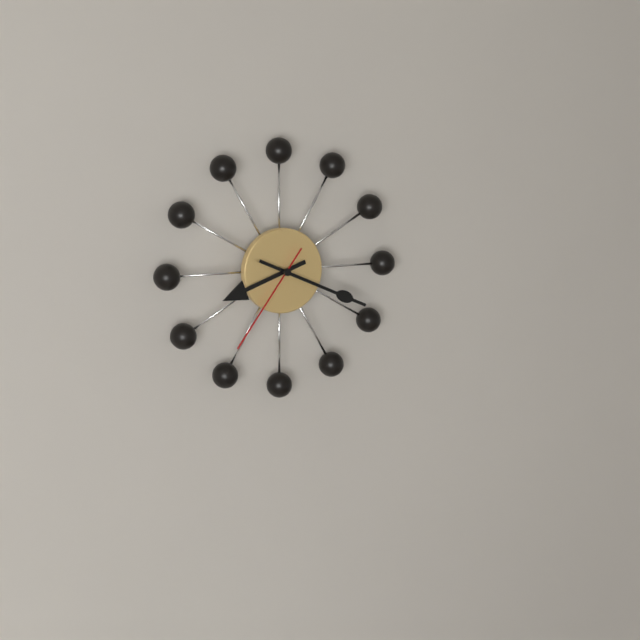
8:19:36
